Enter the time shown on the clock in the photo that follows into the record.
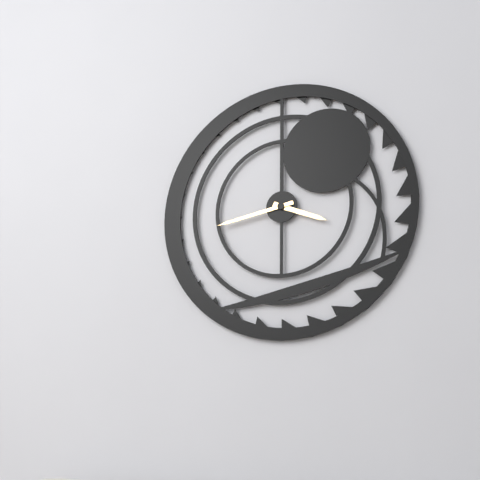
3:43
